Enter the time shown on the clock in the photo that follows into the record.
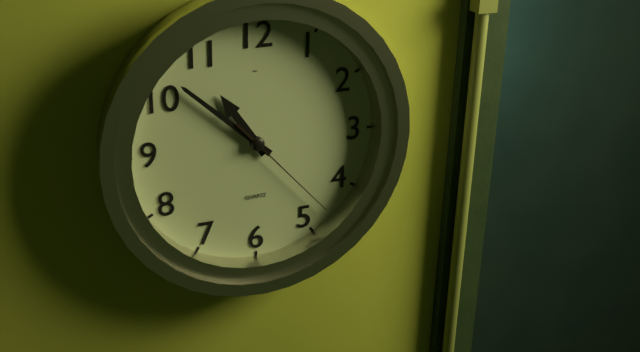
10:52:23
